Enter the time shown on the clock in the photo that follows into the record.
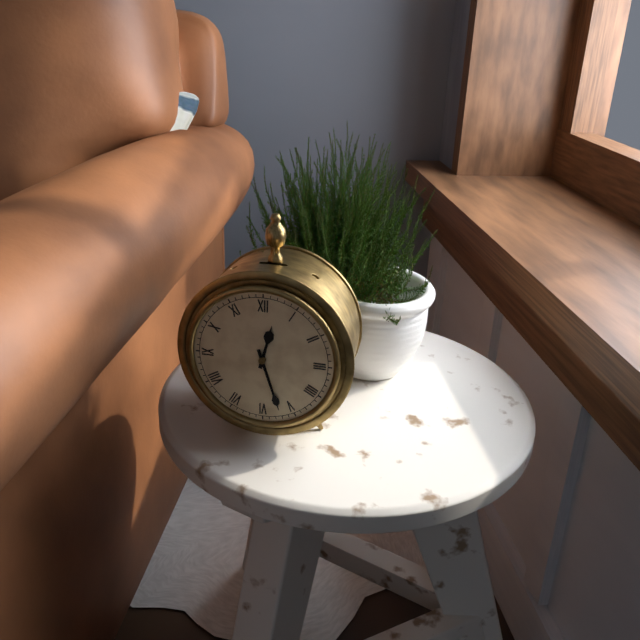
12:27
